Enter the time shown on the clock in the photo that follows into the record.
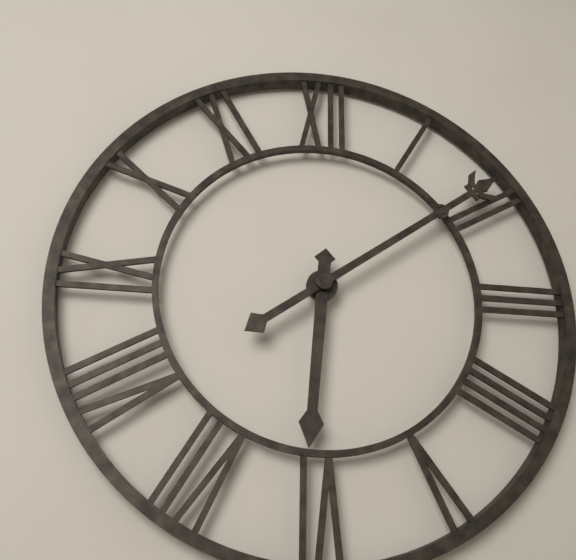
6:09
